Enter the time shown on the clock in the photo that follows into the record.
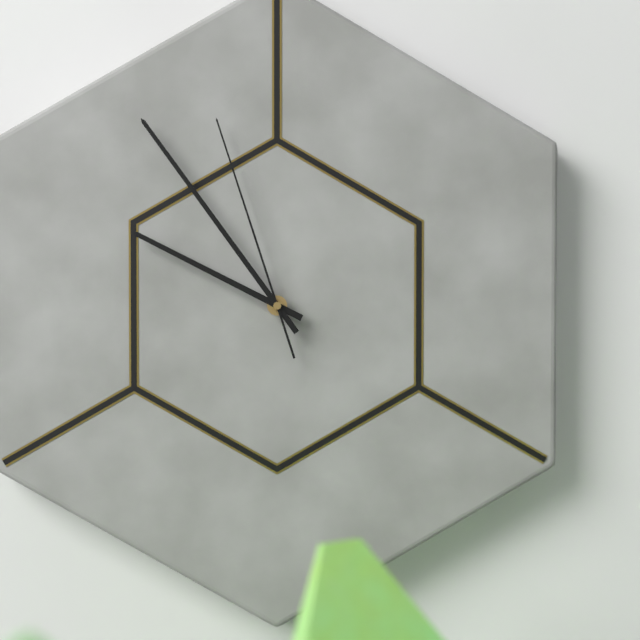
9:54:57
